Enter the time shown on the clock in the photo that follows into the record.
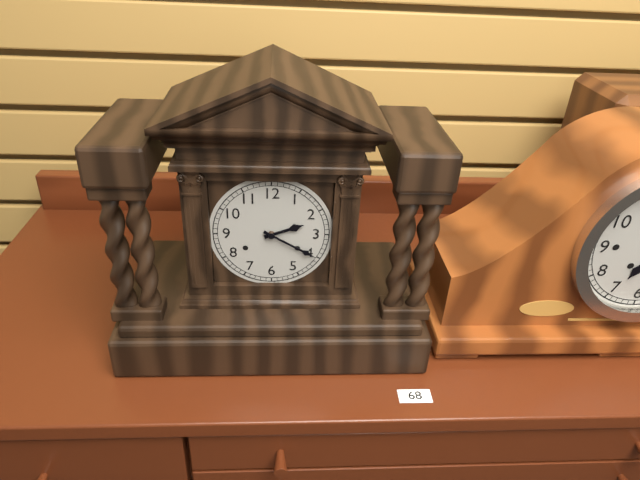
2:20
